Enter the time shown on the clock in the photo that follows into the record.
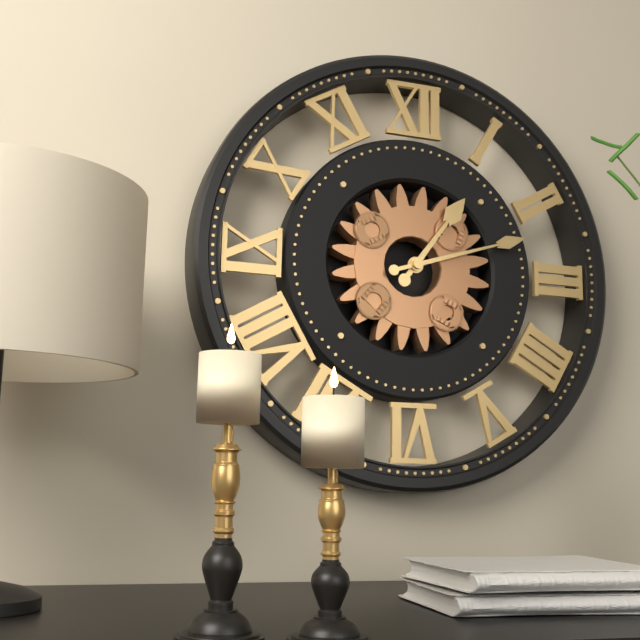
1:12
